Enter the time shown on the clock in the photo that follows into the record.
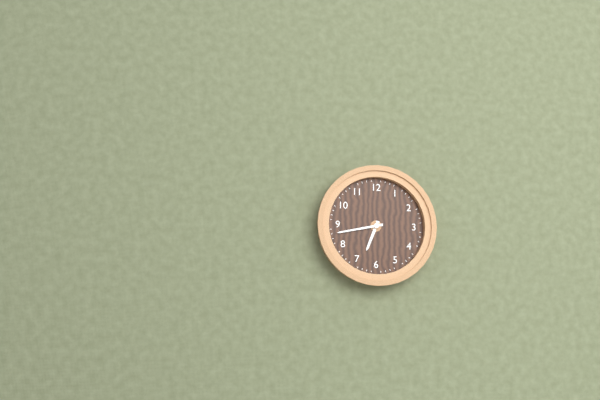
6:43
